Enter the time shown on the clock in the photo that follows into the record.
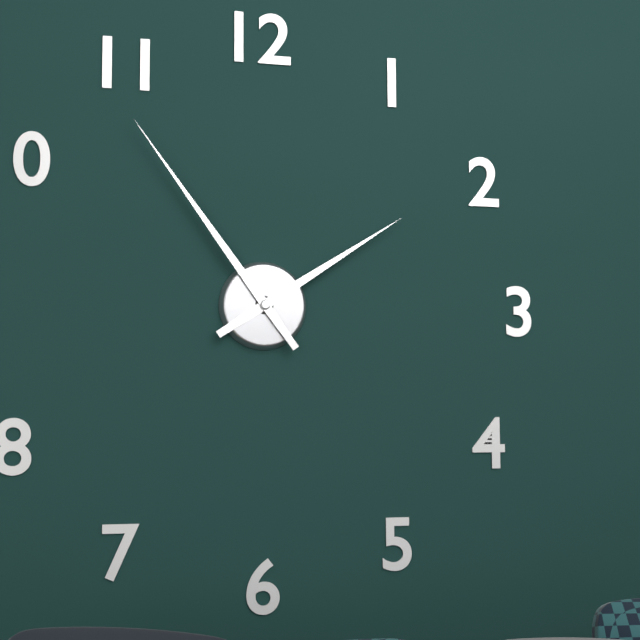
1:54
